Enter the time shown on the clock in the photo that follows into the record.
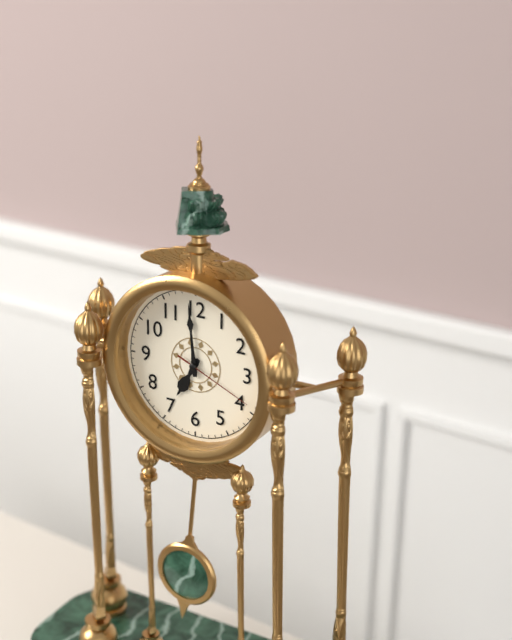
6:59:19
